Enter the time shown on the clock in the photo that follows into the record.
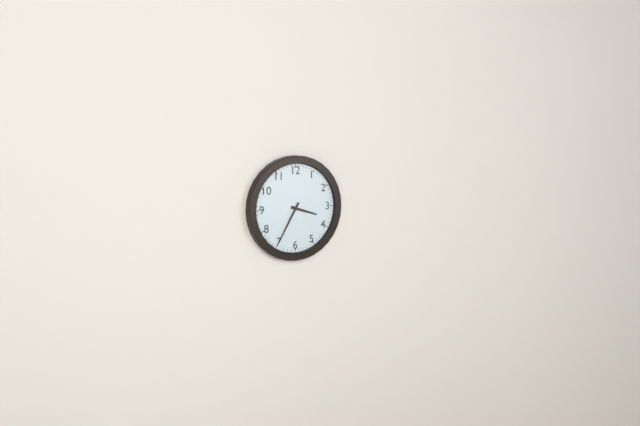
3:35
